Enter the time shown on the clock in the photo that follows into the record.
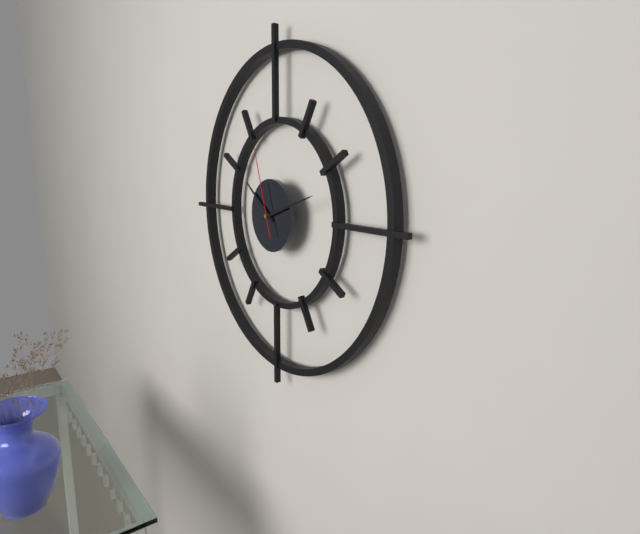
10:12:57
